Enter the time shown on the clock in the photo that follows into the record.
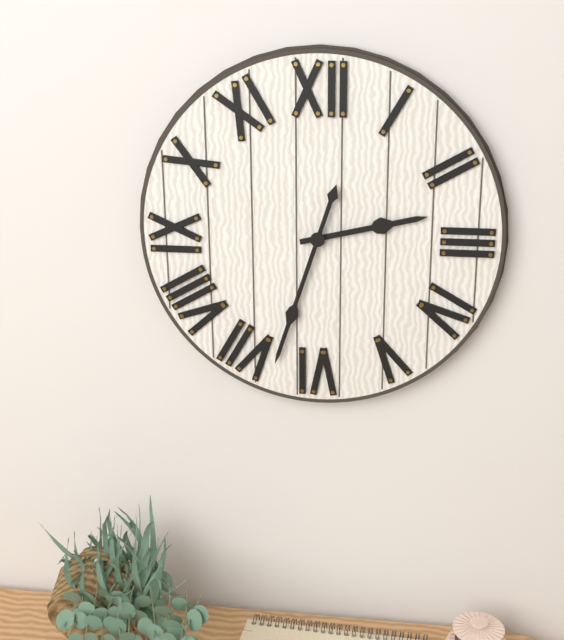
2:33
